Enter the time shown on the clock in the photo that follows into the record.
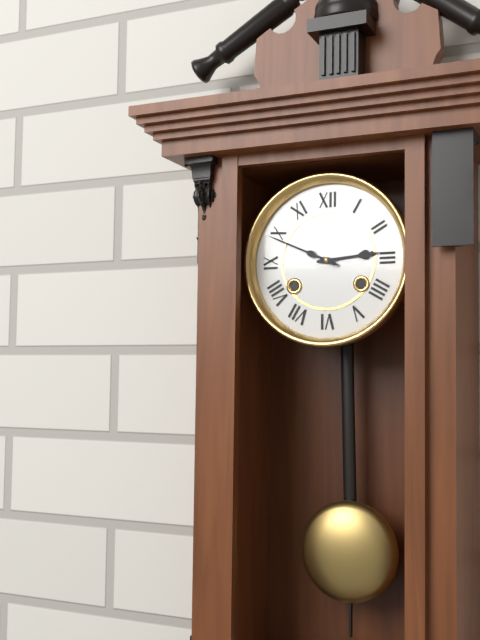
2:49
